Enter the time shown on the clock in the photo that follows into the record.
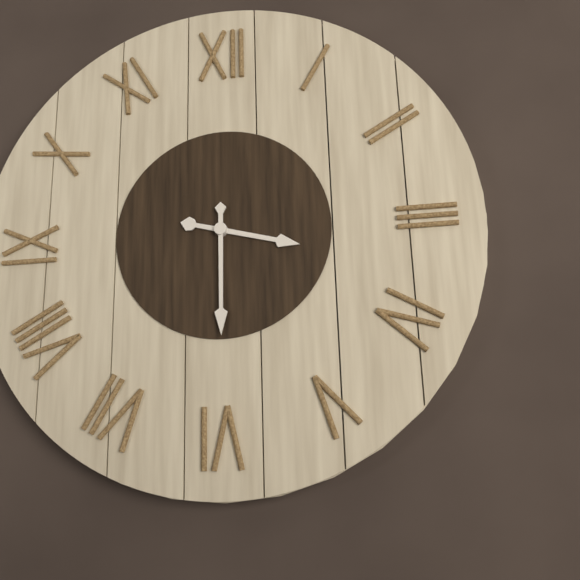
3:30
